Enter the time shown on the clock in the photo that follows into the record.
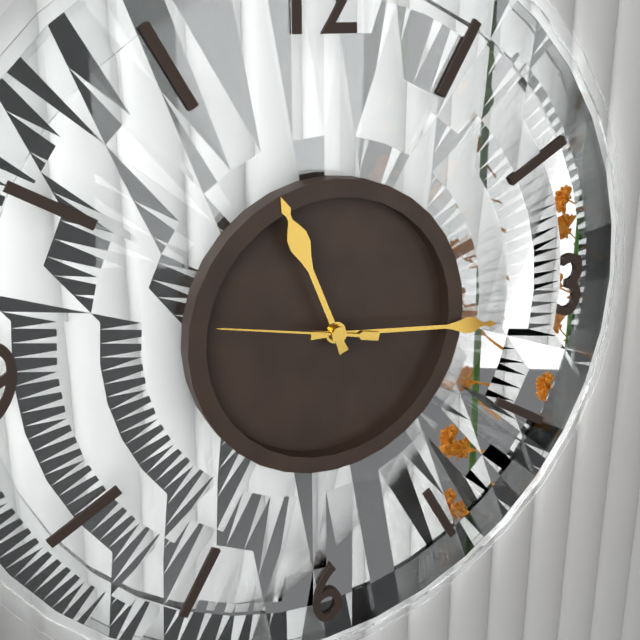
11:16:47
